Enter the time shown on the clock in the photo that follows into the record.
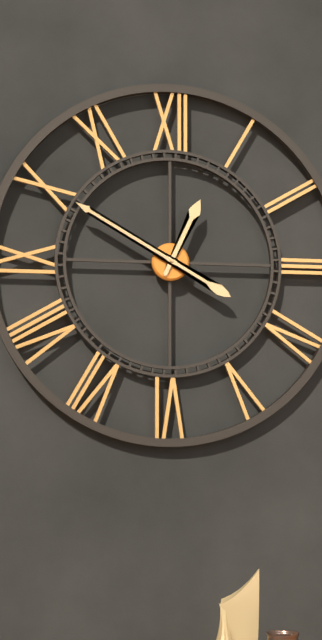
12:50
